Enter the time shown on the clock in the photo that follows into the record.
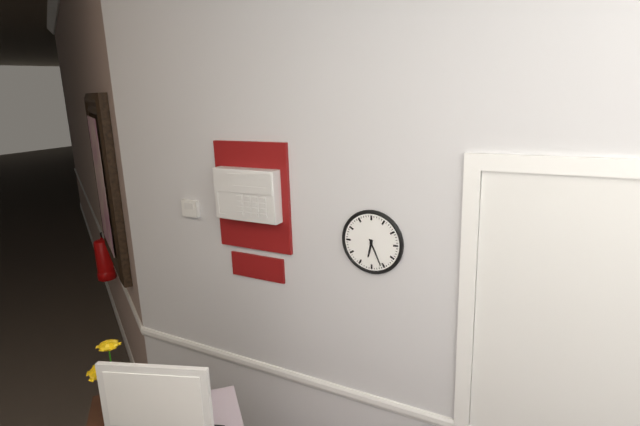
6:26
